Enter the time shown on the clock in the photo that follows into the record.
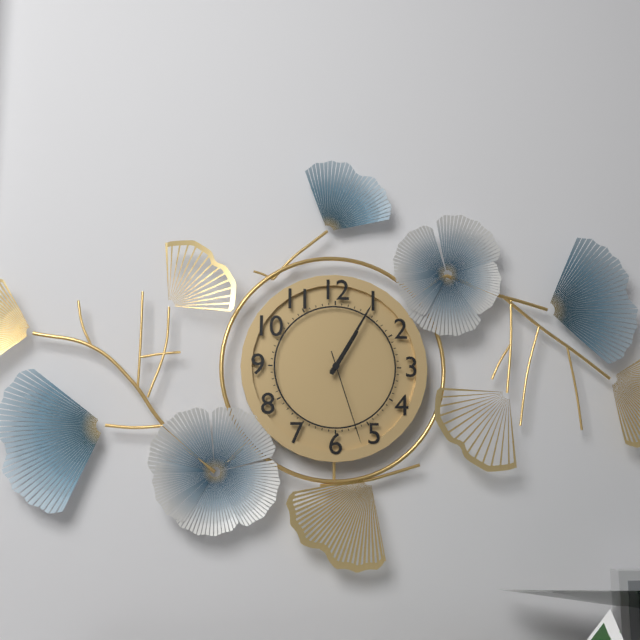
1:05:27
